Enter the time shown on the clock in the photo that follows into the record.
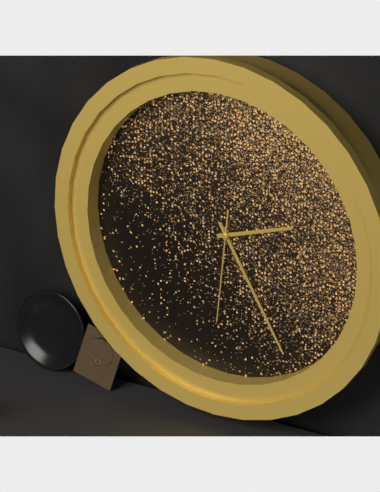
2:25:31
